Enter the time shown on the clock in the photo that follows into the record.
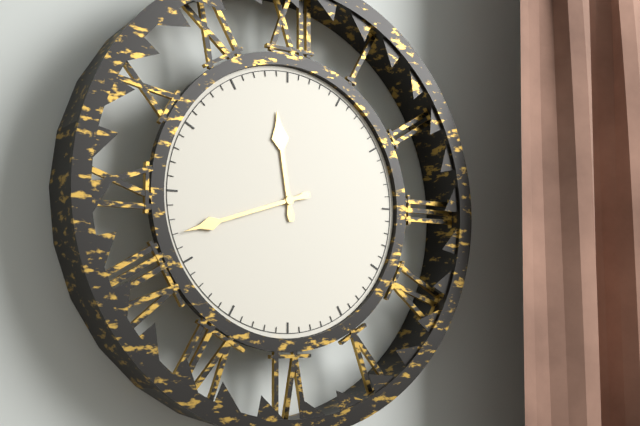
11:42
